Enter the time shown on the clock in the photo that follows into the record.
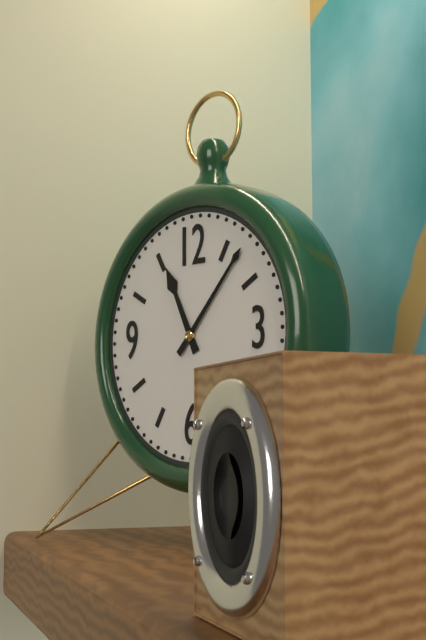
11:07
